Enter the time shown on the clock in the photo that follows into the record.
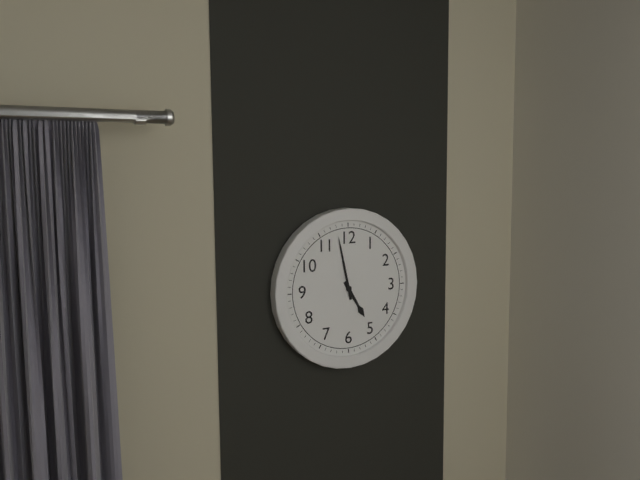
4:58
